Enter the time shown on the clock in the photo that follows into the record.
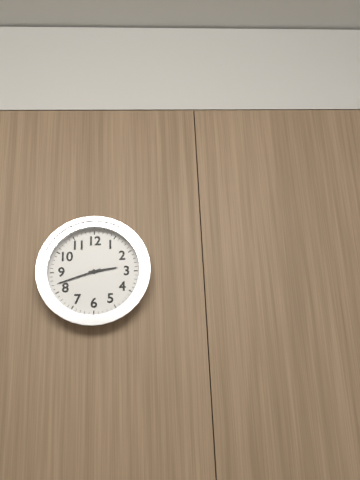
2:42
